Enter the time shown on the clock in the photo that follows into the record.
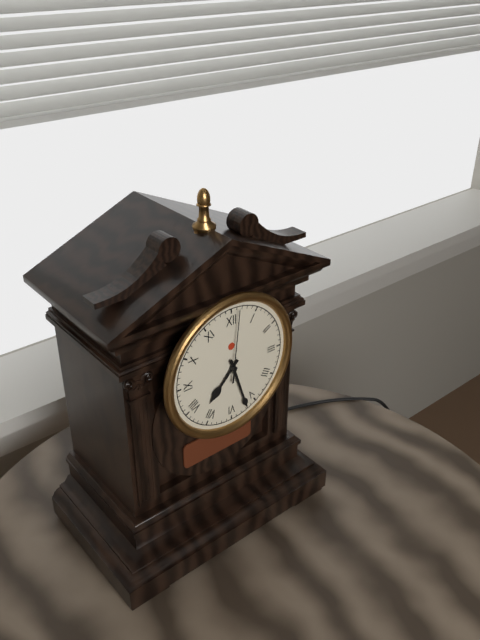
7:27:01
